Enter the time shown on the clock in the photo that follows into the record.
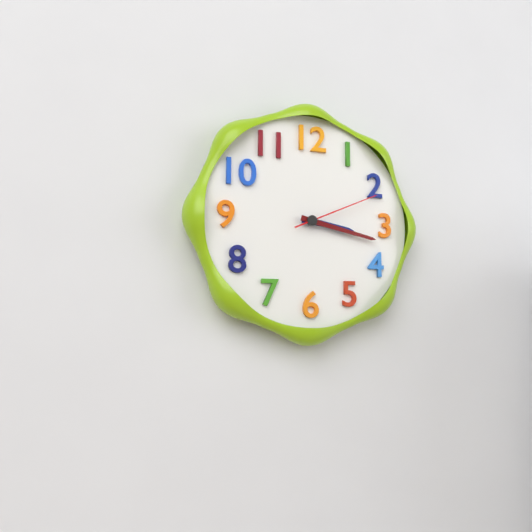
3:17:11
